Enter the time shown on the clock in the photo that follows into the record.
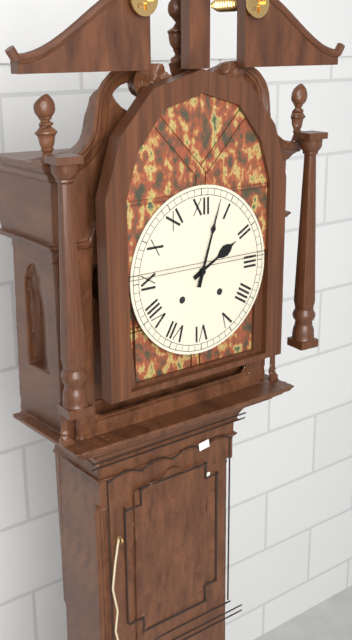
2:03
